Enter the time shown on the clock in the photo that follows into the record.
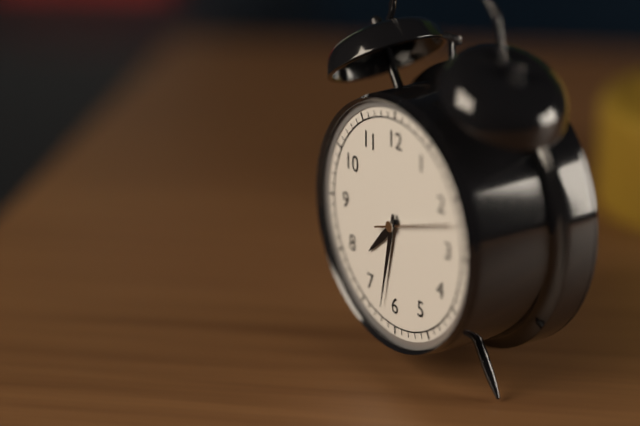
7:32:12
